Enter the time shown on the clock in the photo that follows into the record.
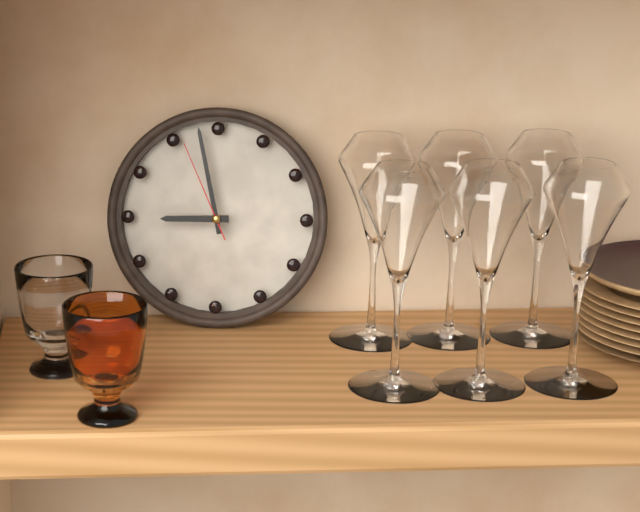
8:58:56
